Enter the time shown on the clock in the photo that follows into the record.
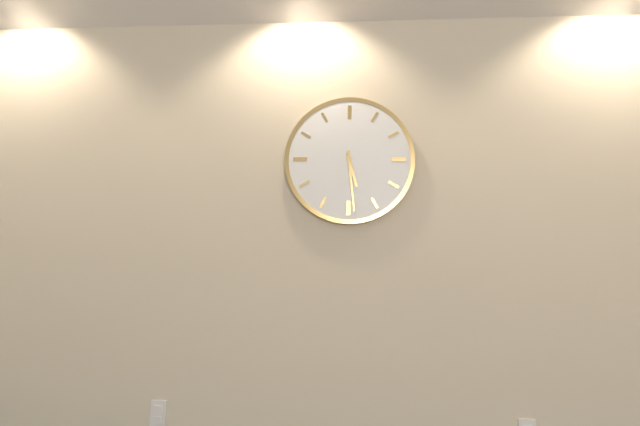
5:29
